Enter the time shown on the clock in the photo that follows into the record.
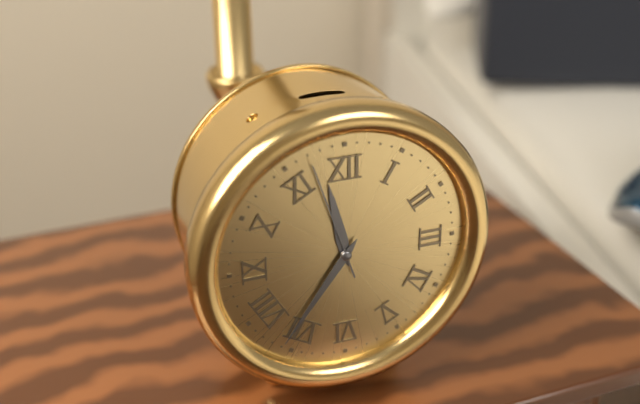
11:36:57
